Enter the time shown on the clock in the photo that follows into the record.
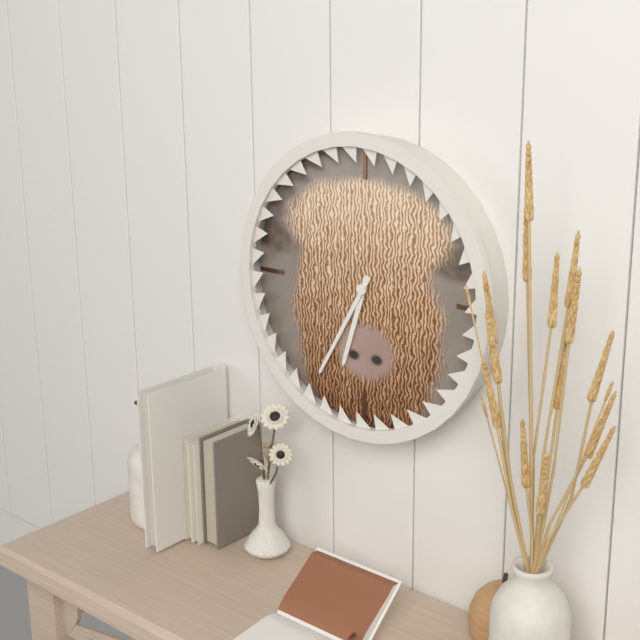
6:35
